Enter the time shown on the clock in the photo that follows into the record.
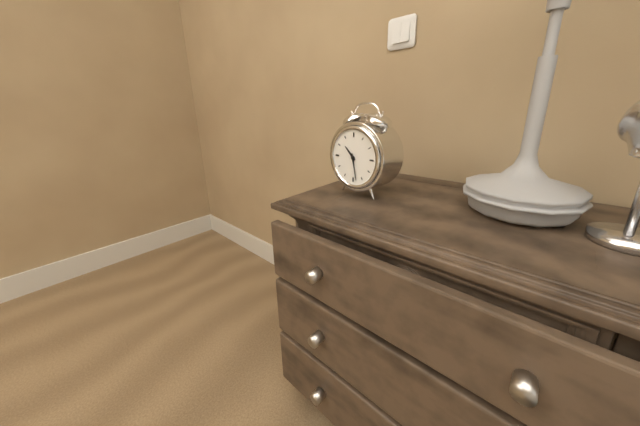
10:28
